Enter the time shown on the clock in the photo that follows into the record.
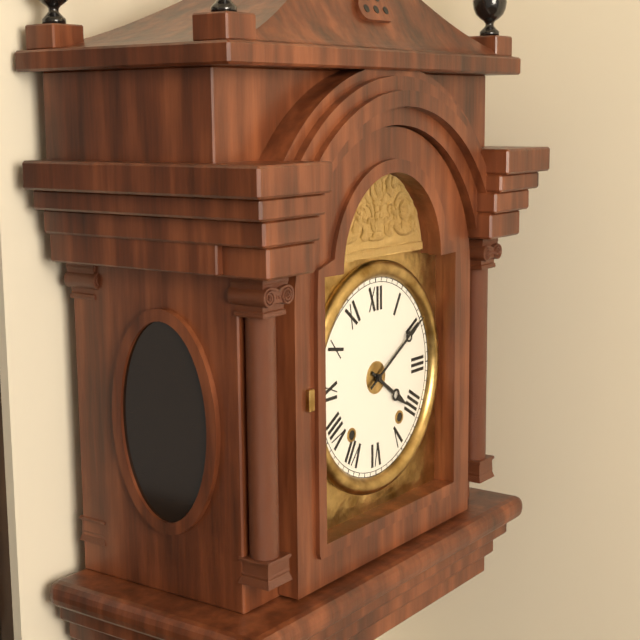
4:10
